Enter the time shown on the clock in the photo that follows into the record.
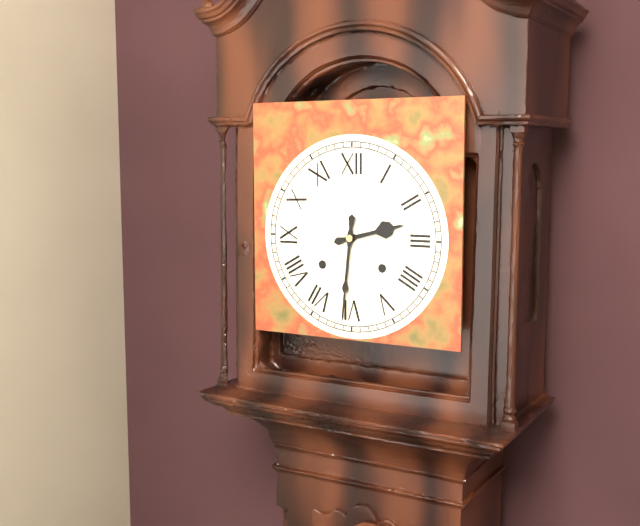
2:31
